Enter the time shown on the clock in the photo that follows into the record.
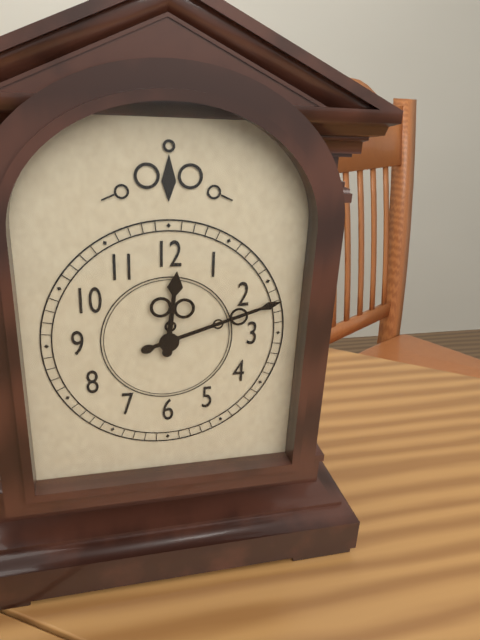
12:12
